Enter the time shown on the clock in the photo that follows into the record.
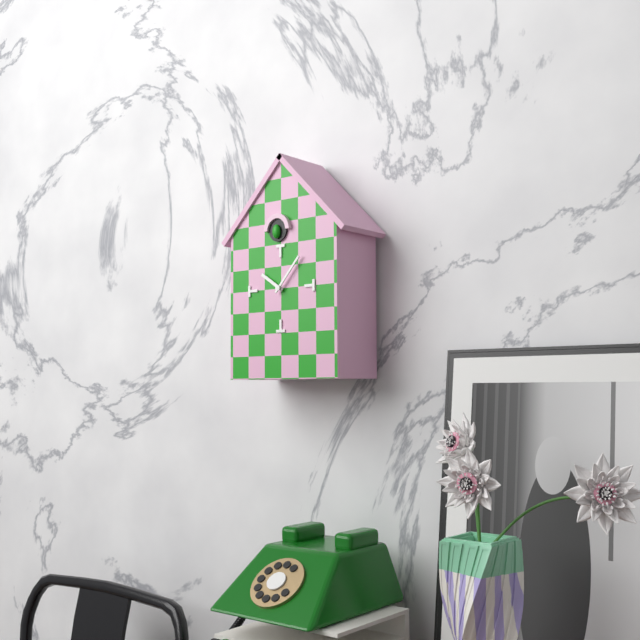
10:07
